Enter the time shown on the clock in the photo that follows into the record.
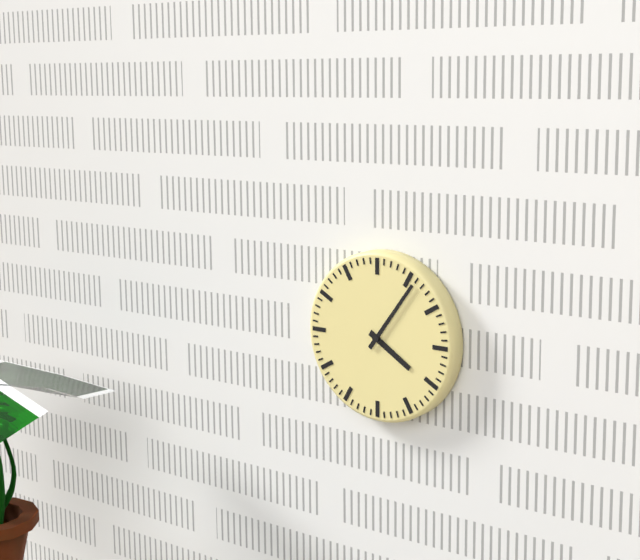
4:06
